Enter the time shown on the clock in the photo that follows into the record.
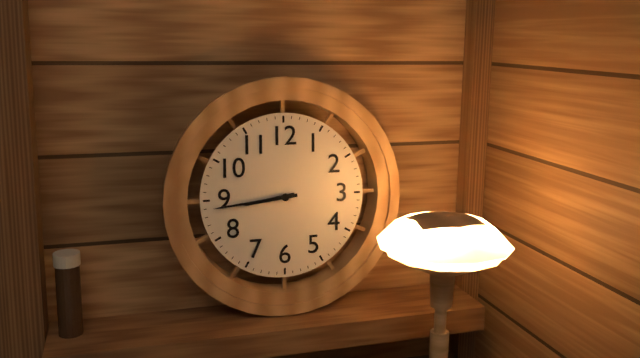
8:44
